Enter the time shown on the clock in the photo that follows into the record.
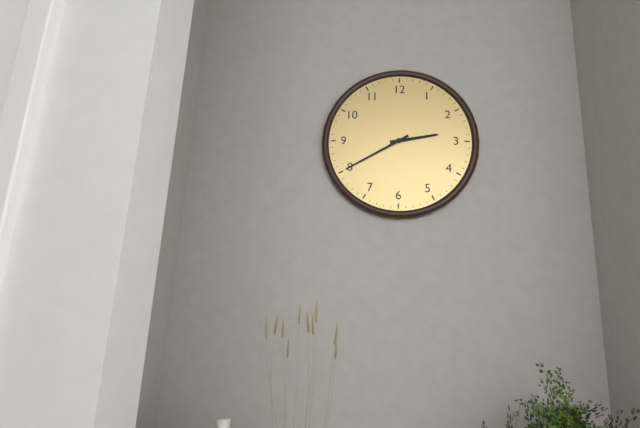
2:40
